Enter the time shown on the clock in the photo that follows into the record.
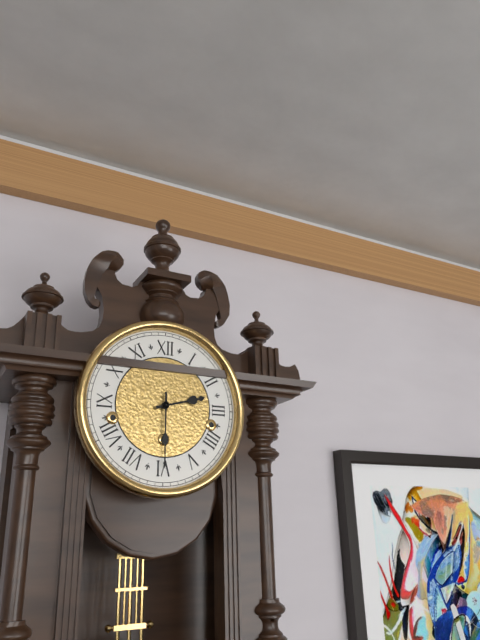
2:30
